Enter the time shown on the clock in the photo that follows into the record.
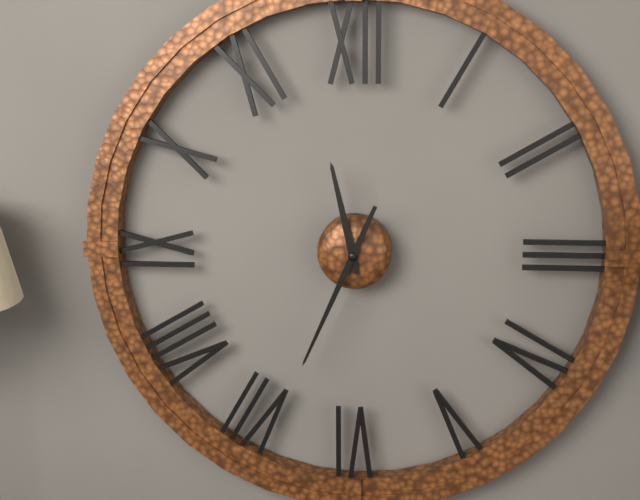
11:34
